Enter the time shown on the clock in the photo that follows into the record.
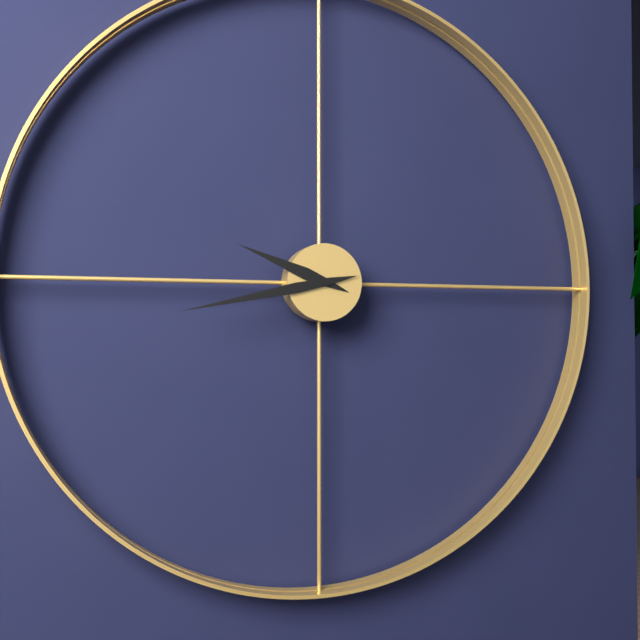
9:43
